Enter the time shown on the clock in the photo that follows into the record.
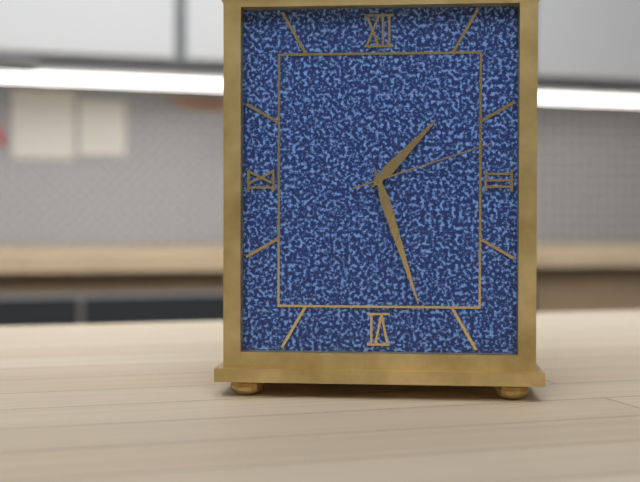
1:27:12
